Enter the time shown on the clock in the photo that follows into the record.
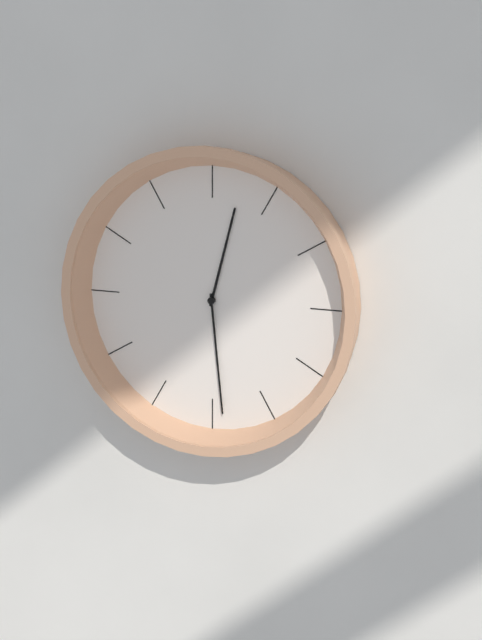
12:29
